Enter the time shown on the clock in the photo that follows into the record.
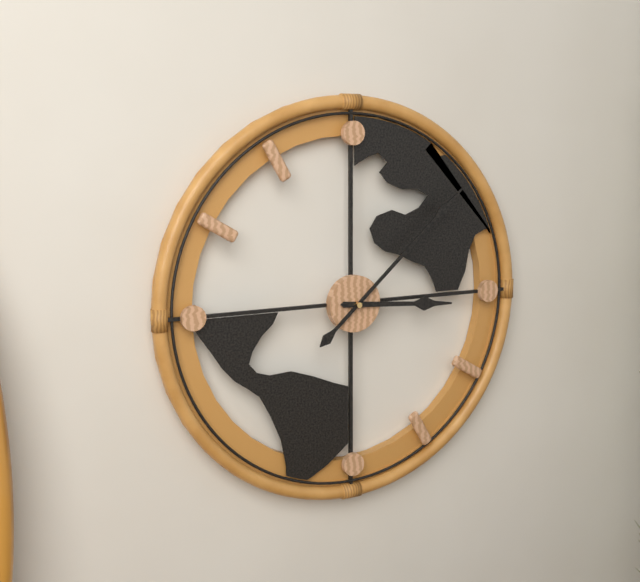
3:08
